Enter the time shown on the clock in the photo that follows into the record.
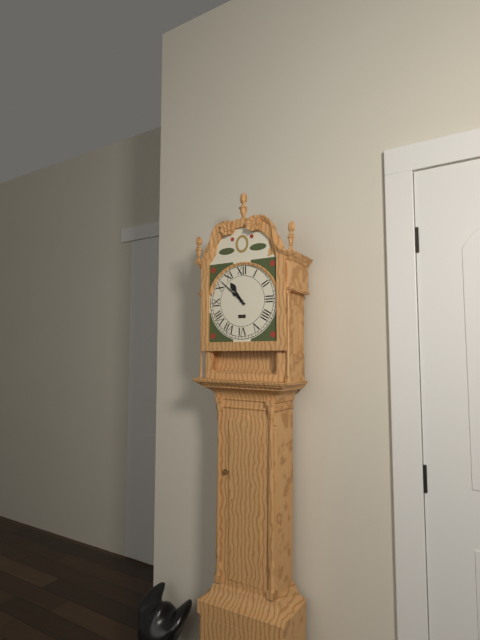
10:52
